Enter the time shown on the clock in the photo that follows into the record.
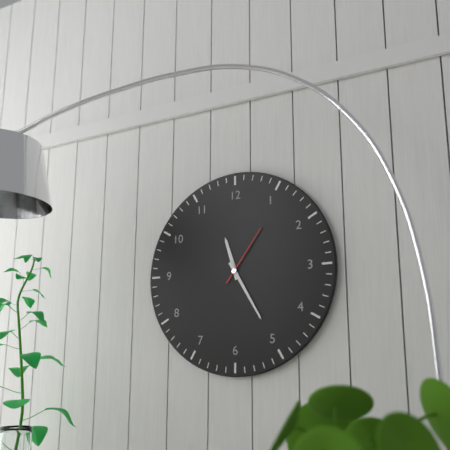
11:25:06
